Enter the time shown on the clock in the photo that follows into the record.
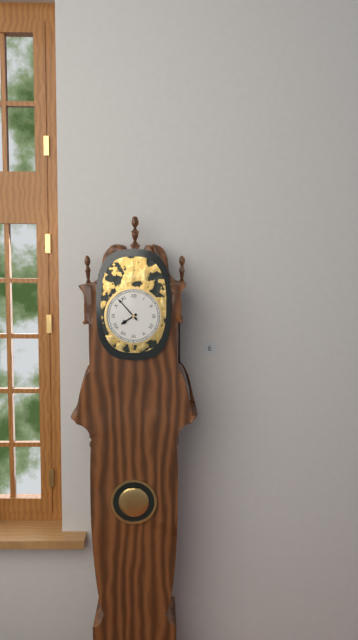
7:53
